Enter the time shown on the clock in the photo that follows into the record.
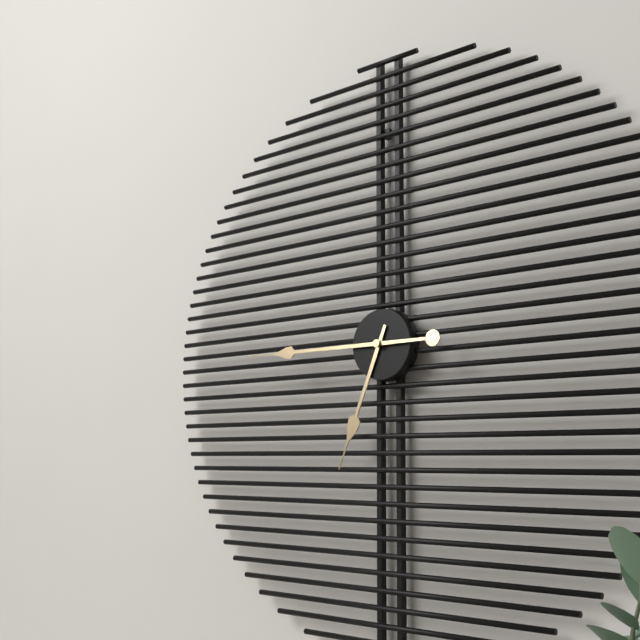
6:45
